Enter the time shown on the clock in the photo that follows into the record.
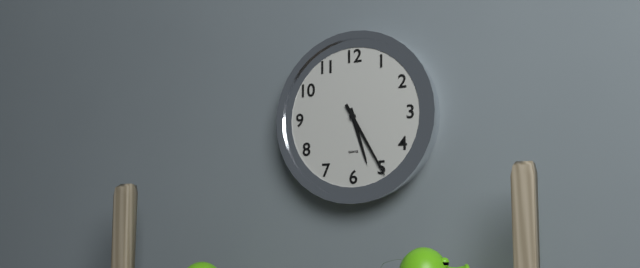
5:25
